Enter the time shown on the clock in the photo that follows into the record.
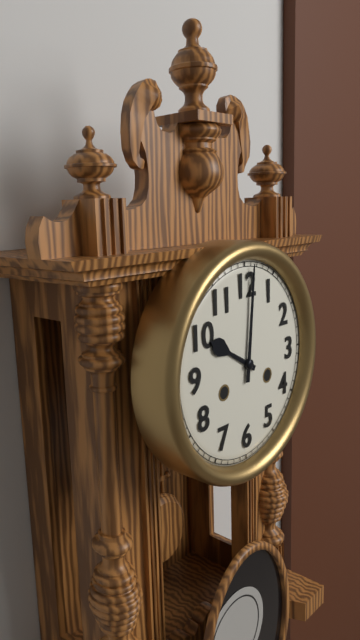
10:01
